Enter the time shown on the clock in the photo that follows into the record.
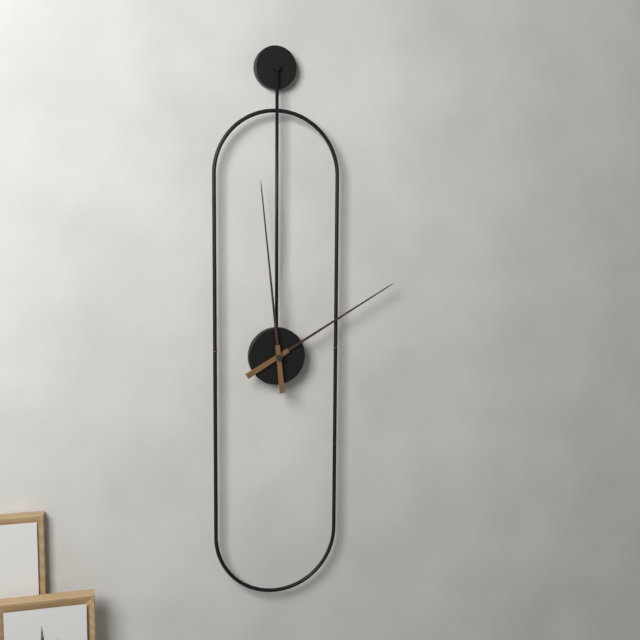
1:59
